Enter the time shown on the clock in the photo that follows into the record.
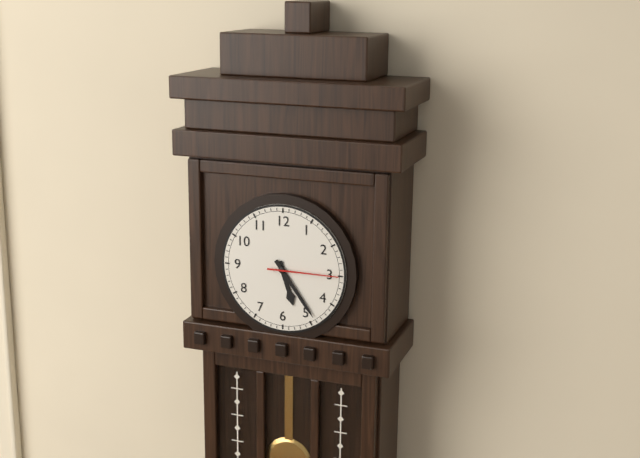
5:24:15
